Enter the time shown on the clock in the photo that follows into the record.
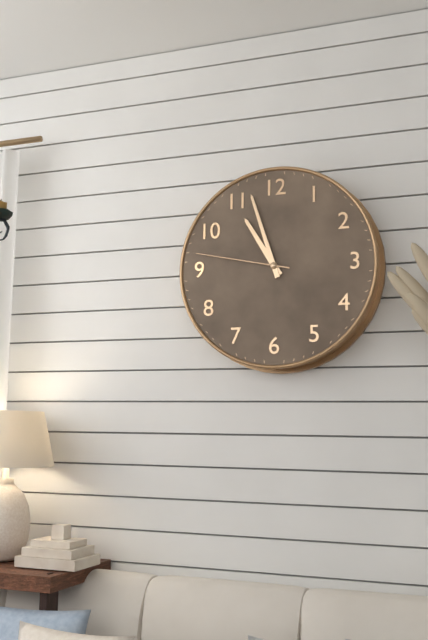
10:57:47
